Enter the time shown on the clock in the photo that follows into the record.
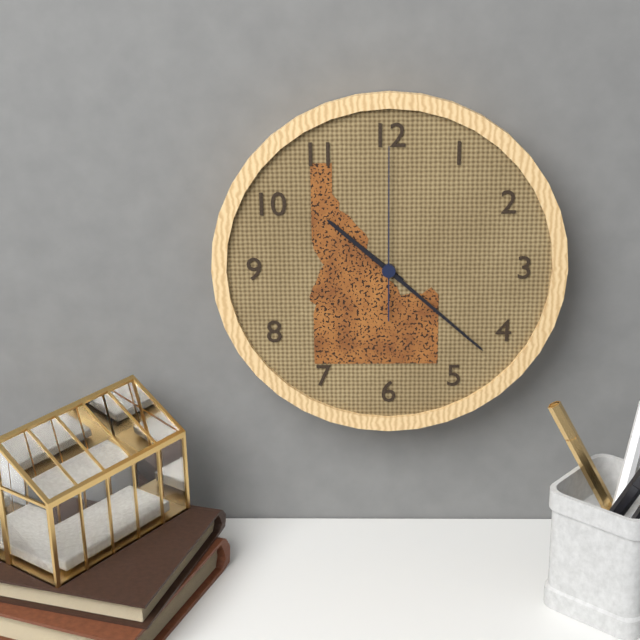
10:22:00
